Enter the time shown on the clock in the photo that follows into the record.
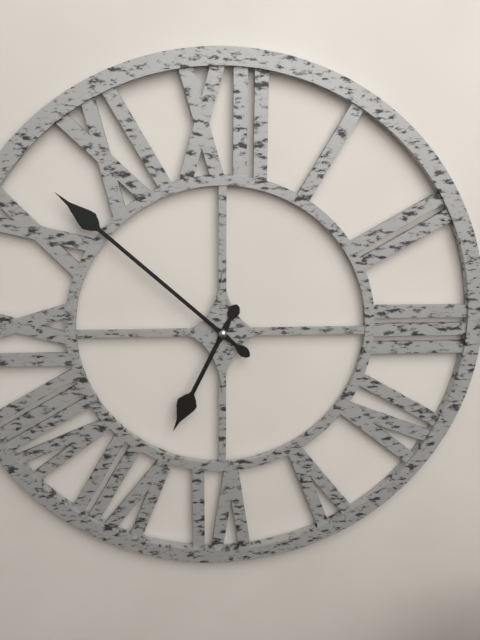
6:52
